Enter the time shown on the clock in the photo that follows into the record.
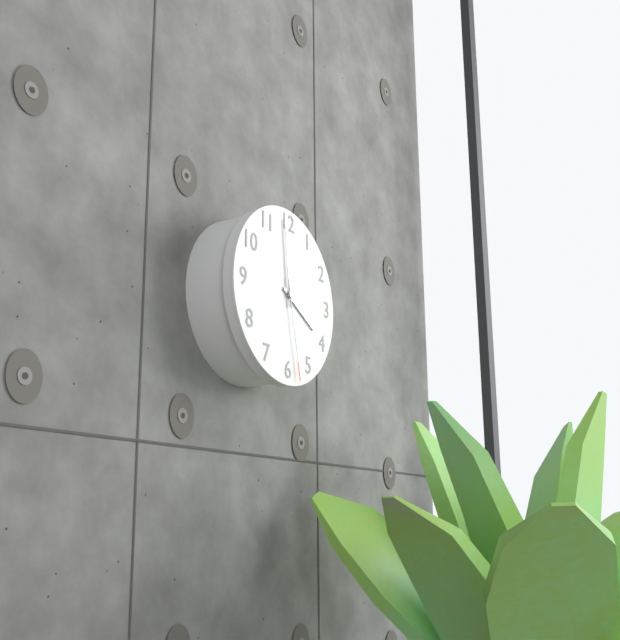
3:59:28
